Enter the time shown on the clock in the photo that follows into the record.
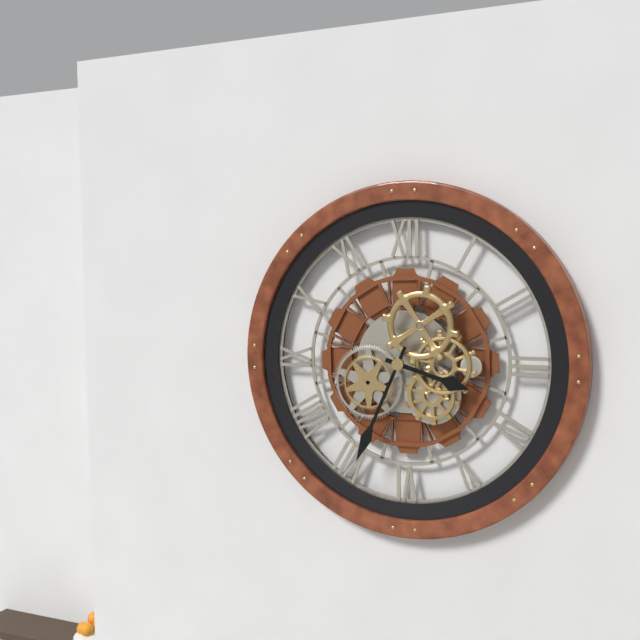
3:34
